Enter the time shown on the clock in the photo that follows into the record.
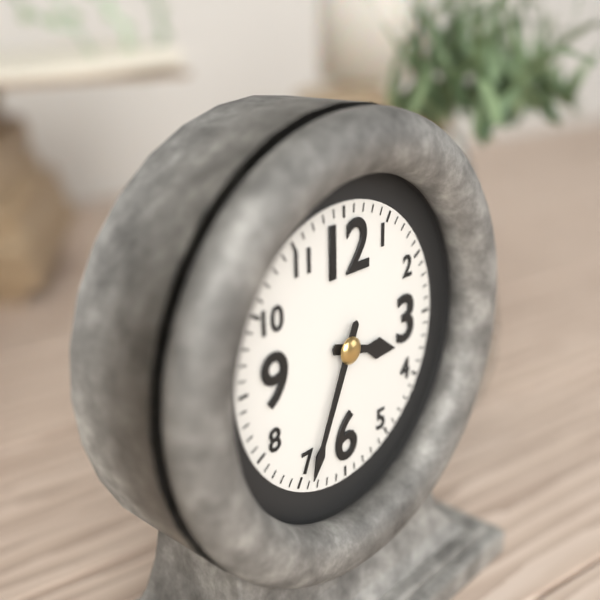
3:34
